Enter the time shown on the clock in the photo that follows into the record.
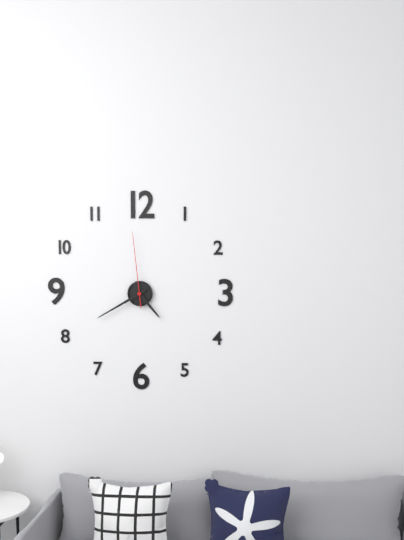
4:40:59
